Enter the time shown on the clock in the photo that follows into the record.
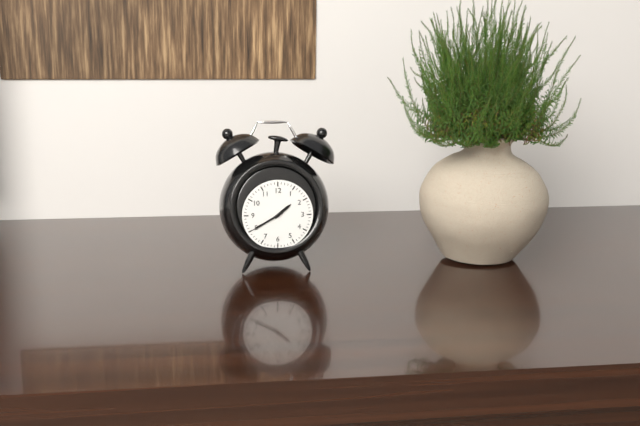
1:40
